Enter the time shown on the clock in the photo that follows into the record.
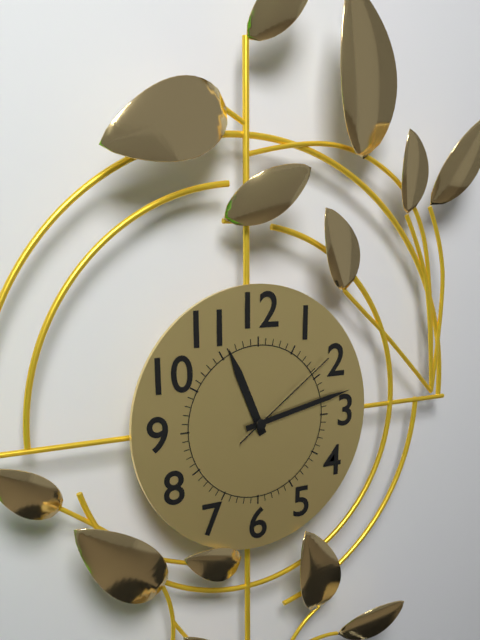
11:13:09
